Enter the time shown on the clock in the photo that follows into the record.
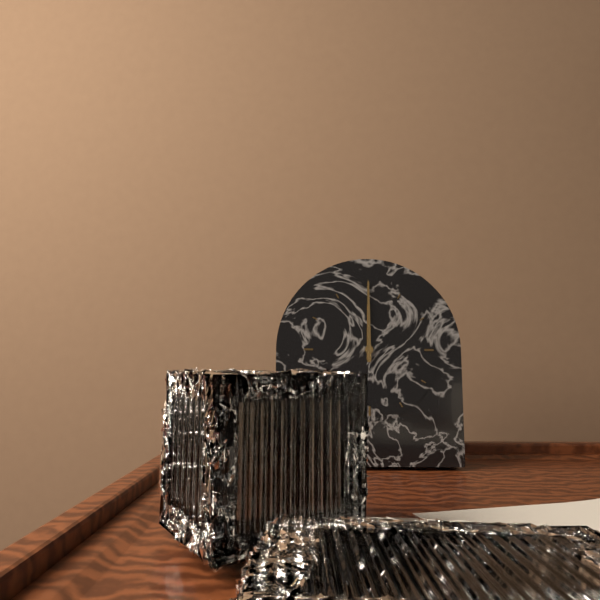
12:00
